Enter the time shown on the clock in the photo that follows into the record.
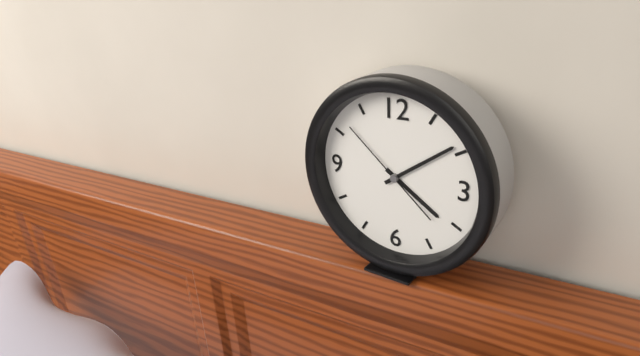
4:09:52
